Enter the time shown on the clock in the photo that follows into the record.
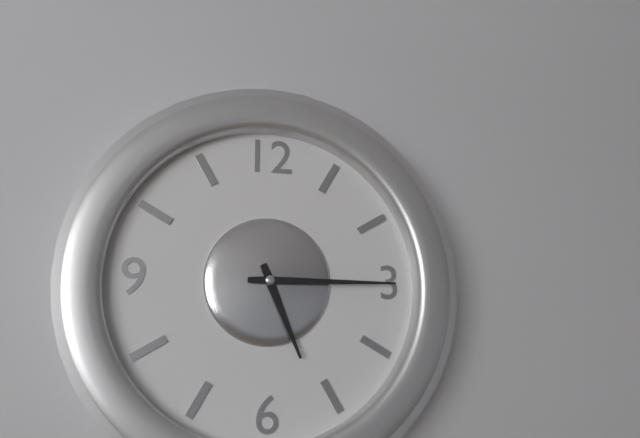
5:15
